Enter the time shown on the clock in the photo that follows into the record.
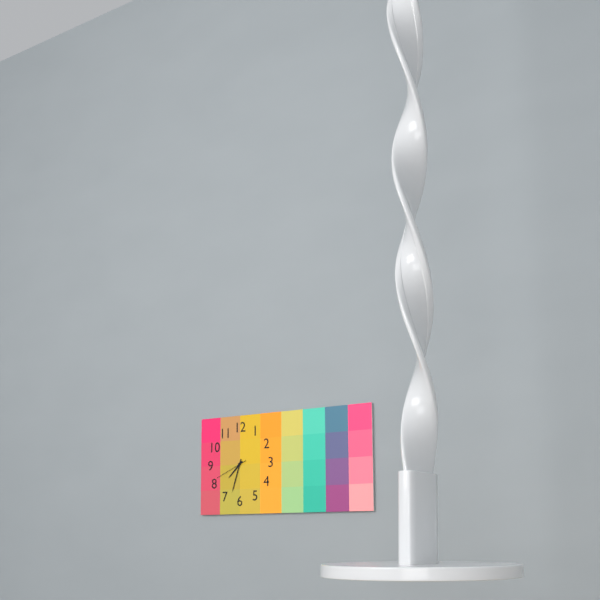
7:33
